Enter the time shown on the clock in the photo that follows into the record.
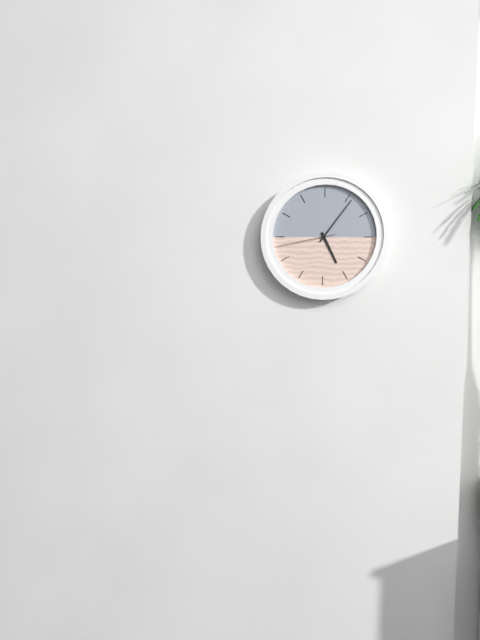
5:06:43
